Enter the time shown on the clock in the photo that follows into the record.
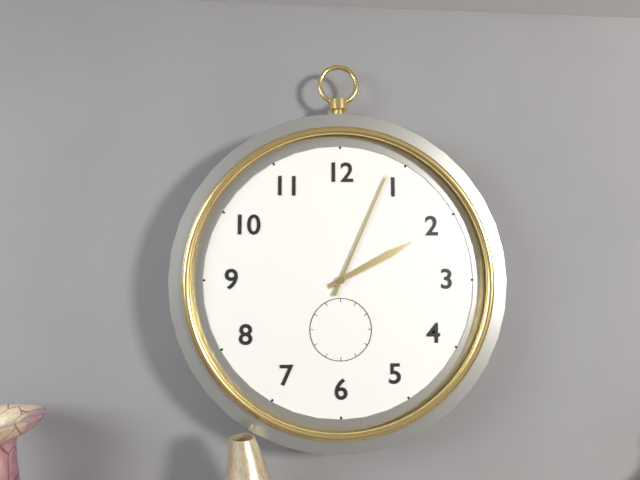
2:04
